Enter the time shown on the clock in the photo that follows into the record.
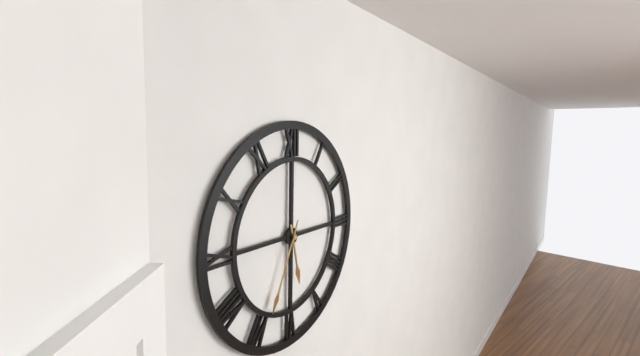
5:34
